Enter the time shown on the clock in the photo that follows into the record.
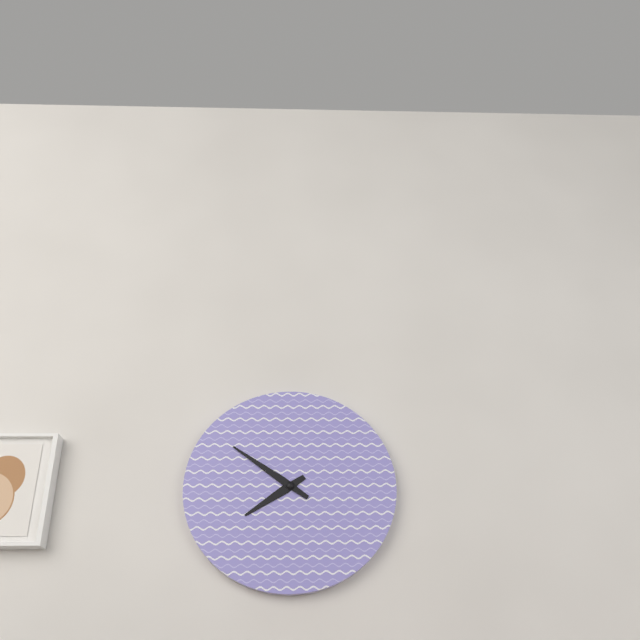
7:51
